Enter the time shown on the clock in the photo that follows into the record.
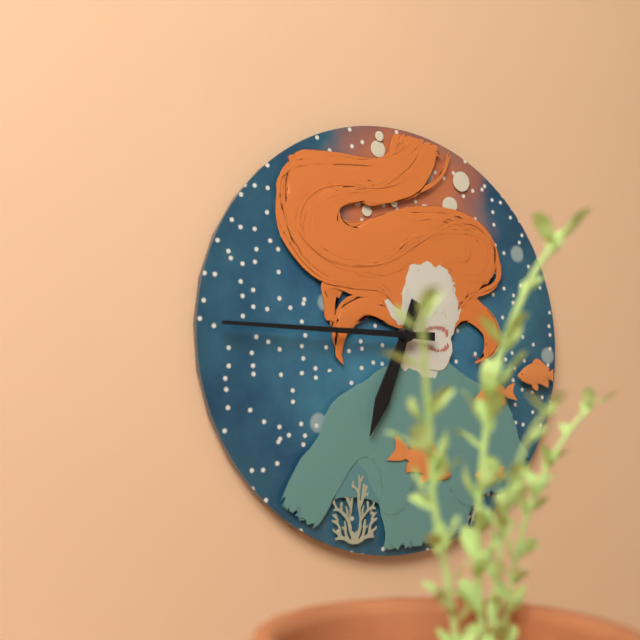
6:45
